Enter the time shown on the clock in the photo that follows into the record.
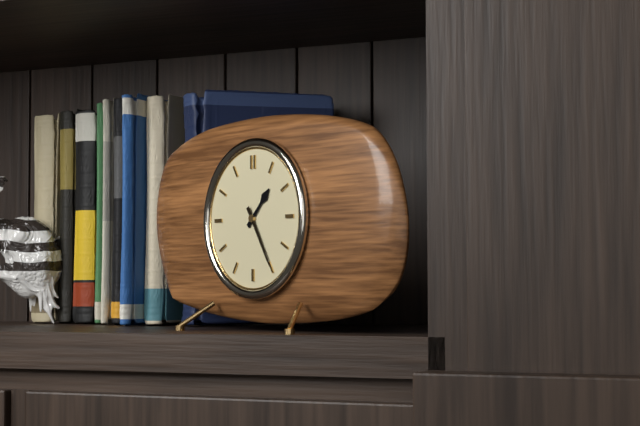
1:25
